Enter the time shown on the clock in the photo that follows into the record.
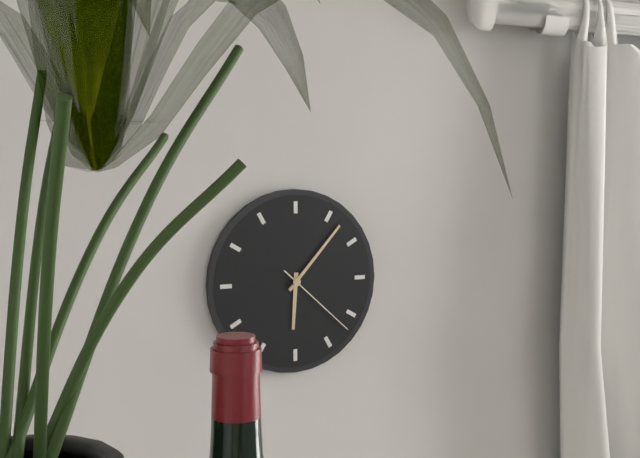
6:07:22
